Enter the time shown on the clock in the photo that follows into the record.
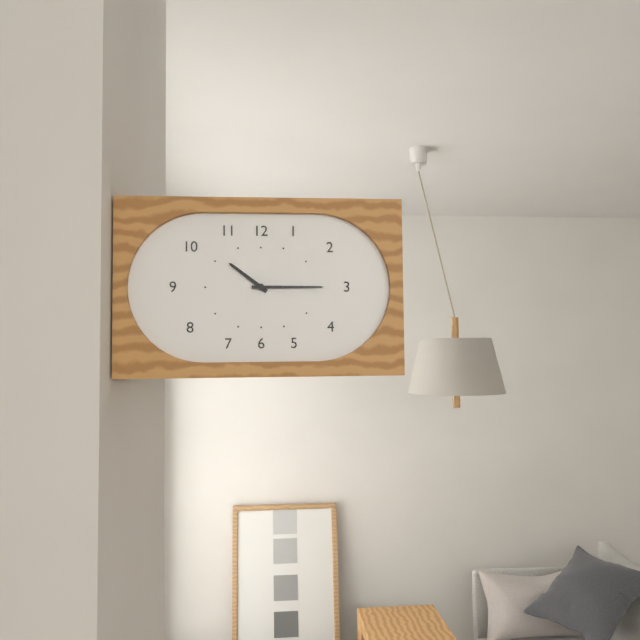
10:15
